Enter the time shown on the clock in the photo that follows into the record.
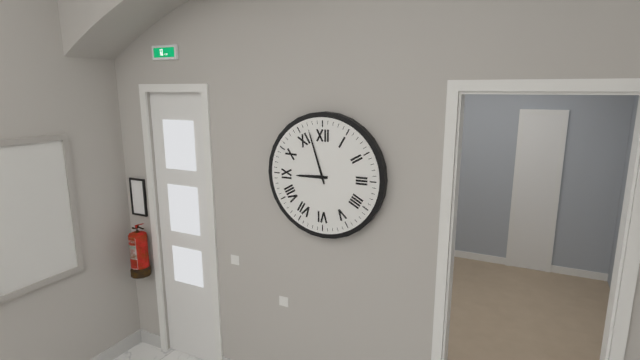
8:57
